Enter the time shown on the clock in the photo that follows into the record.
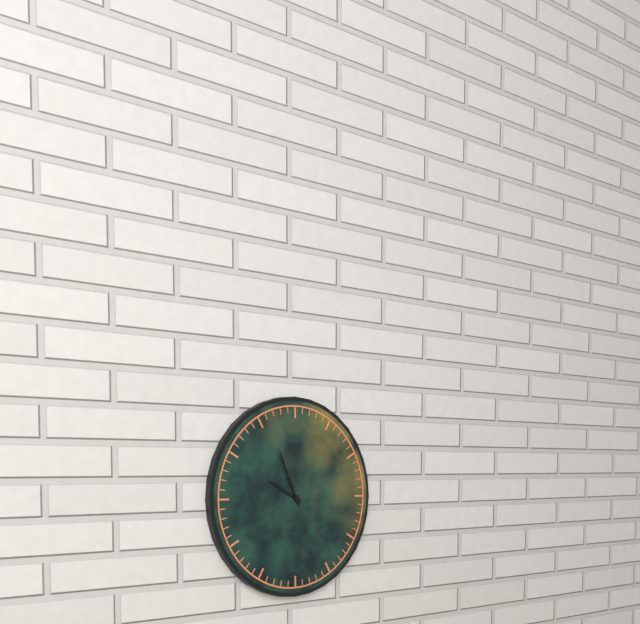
9:56
